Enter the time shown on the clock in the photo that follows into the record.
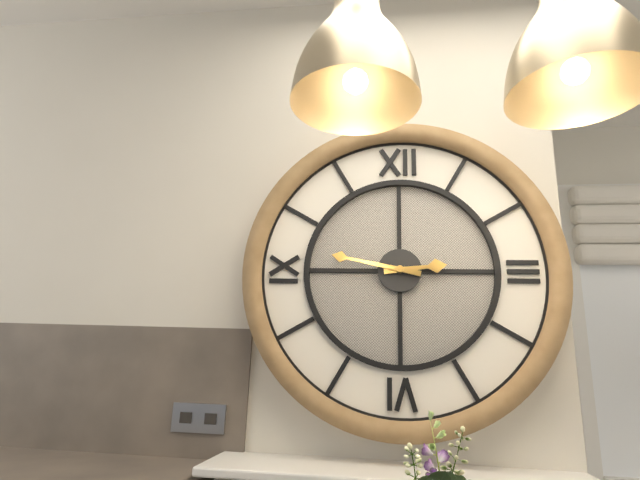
2:47
